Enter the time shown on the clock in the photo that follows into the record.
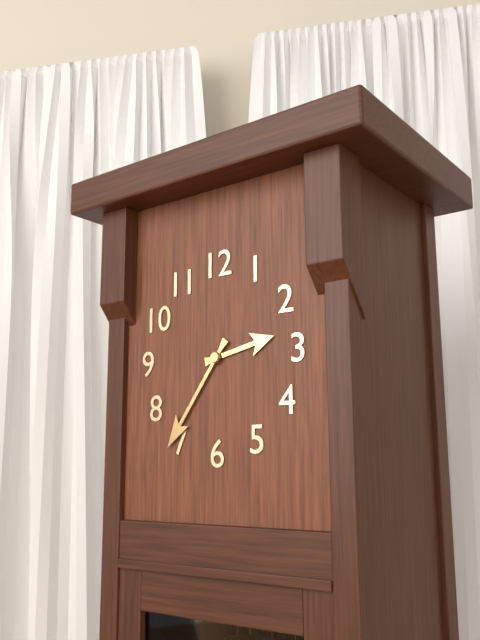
2:36
